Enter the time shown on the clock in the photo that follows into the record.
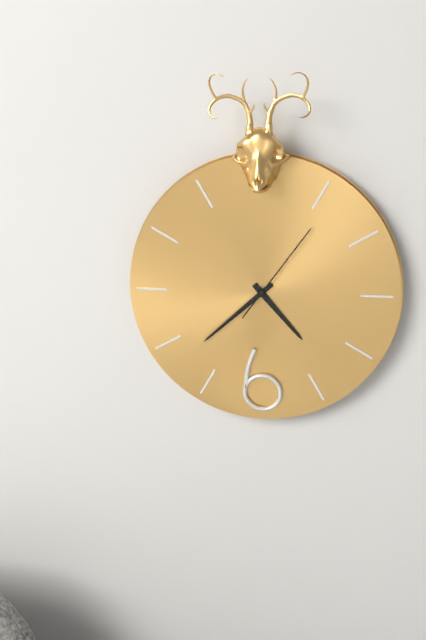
4:38:06
